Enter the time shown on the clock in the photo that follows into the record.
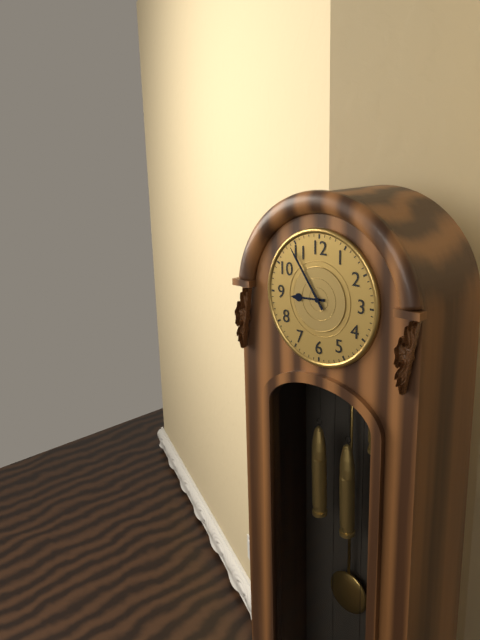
8:54
